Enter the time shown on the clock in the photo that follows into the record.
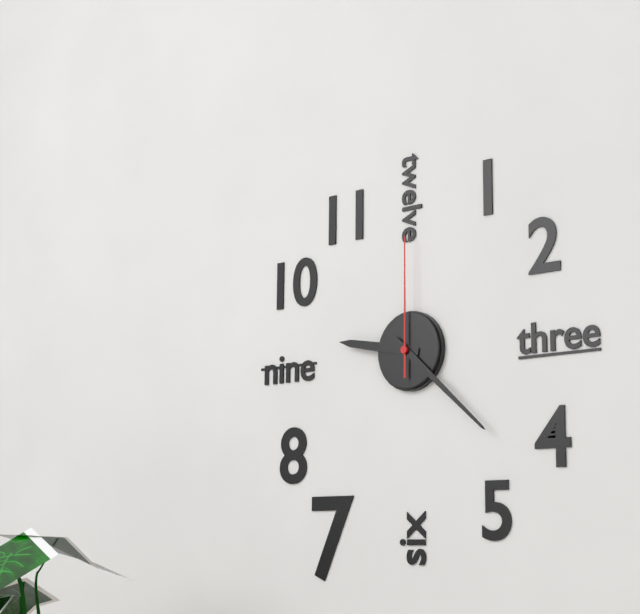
9:22:00
